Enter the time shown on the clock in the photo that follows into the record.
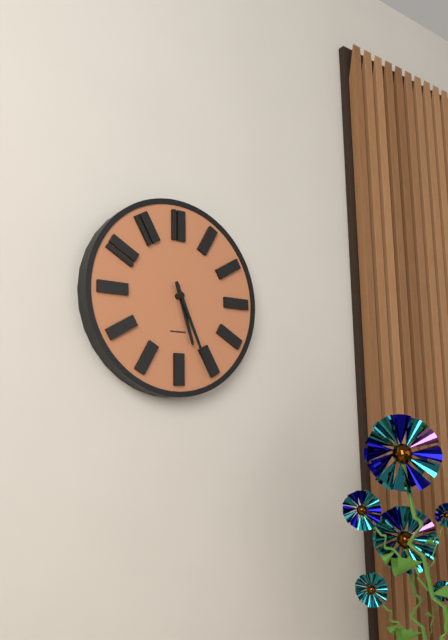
5:26
